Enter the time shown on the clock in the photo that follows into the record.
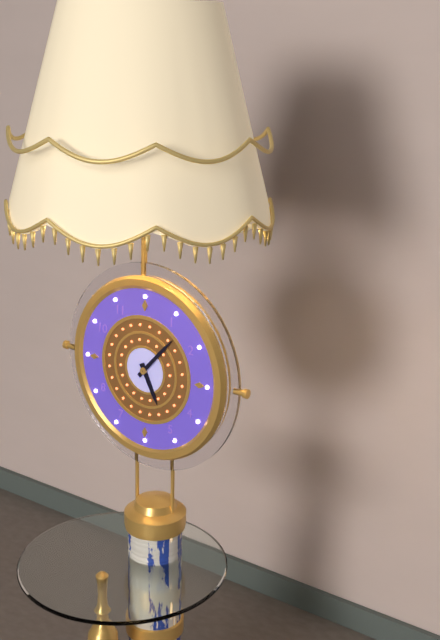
5:07
